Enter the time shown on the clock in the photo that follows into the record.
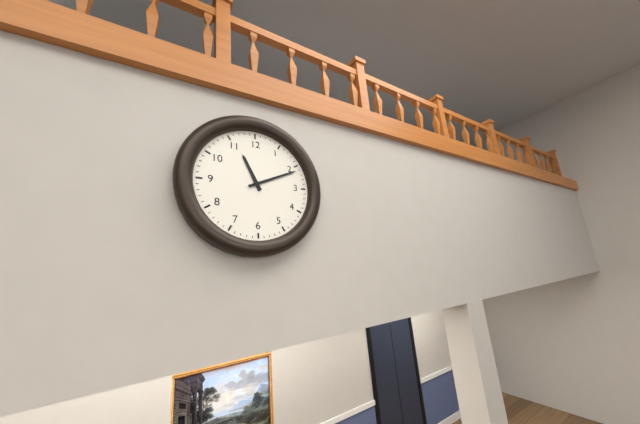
11:11
